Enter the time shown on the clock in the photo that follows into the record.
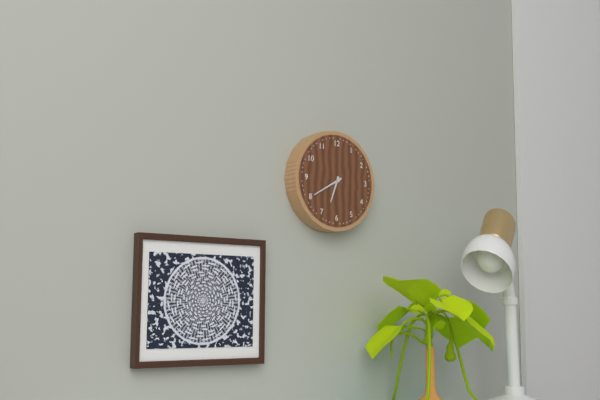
6:40
